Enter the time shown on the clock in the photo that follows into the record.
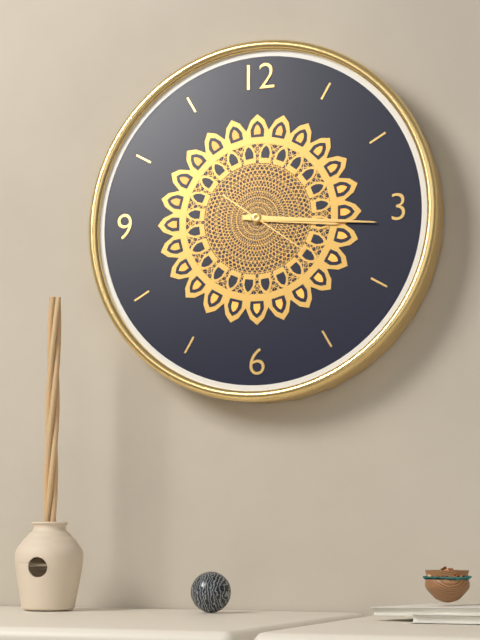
3:16:21
